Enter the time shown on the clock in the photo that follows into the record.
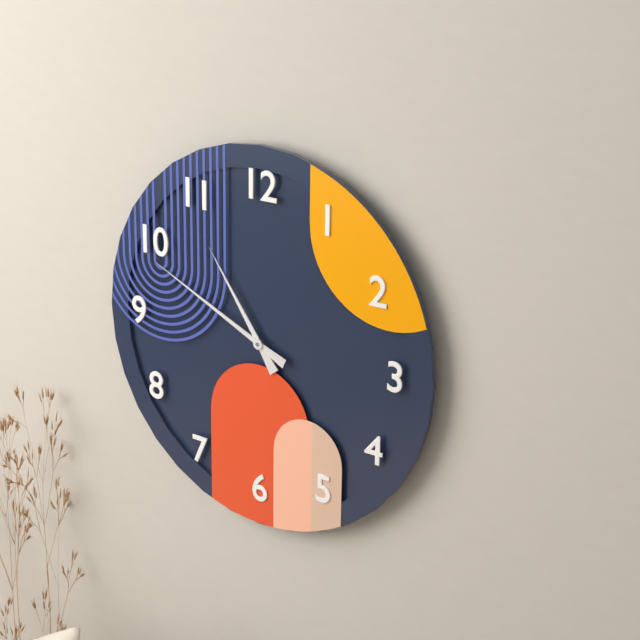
10:49
